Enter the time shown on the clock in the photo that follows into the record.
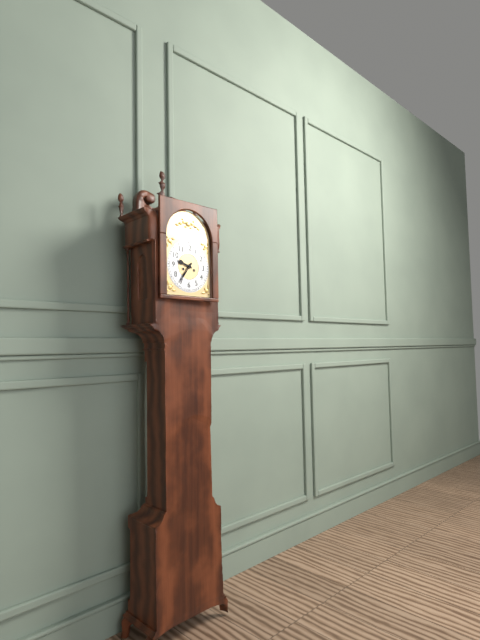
9:36
